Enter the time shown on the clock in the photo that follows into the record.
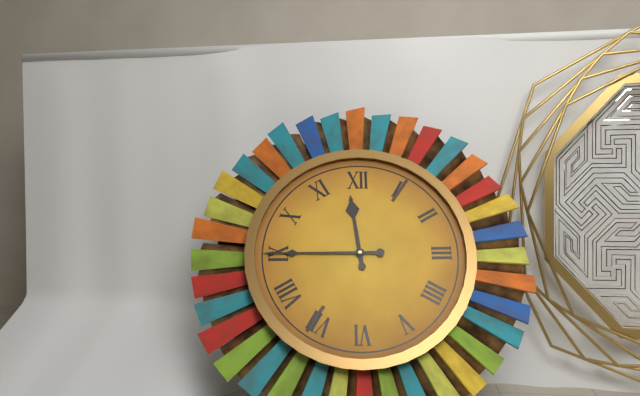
11:45
